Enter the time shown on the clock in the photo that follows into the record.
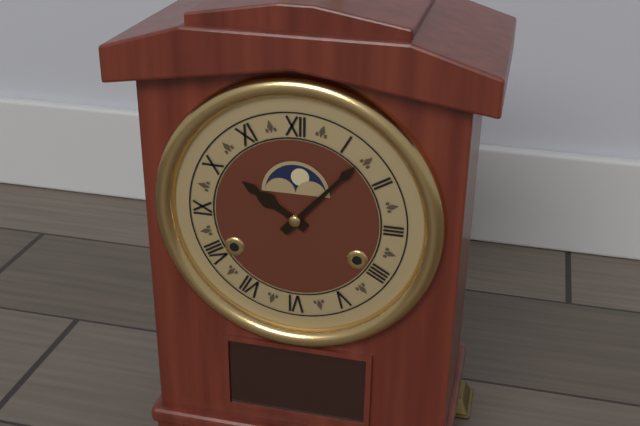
10:07
